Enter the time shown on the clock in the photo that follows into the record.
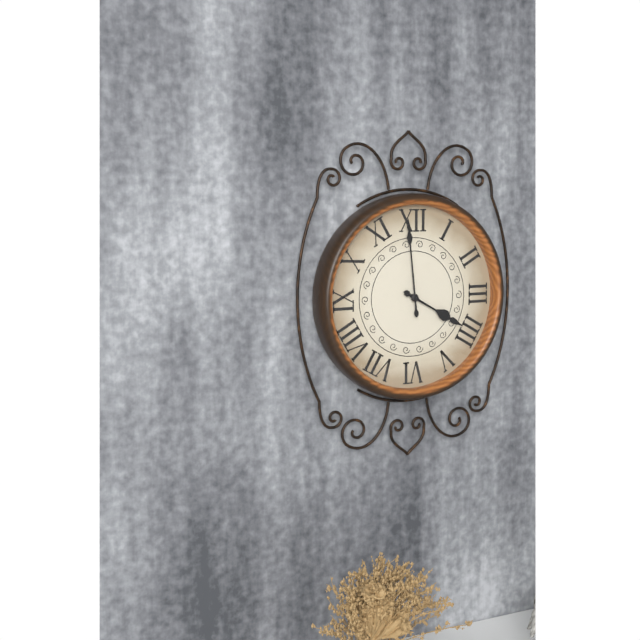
3:59
